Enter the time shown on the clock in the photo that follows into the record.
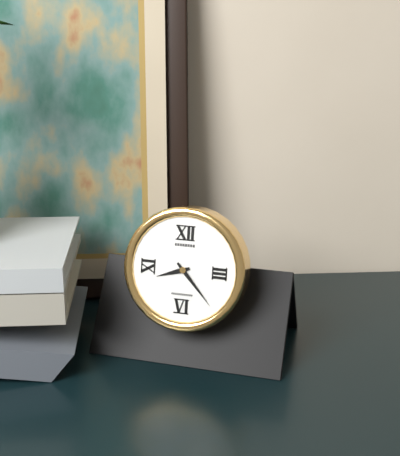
8:23
